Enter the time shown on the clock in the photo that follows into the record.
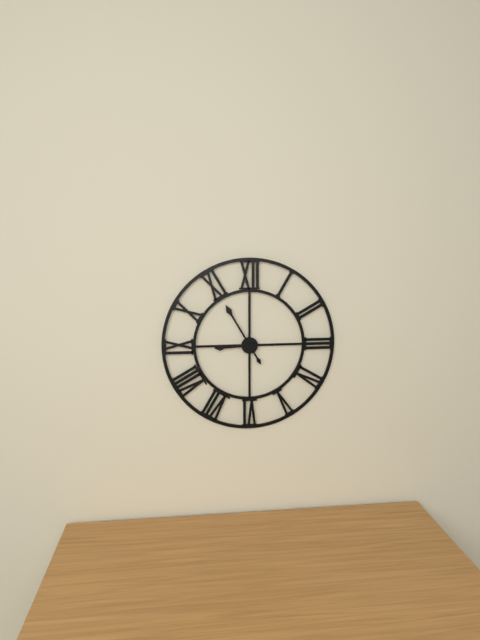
8:55
